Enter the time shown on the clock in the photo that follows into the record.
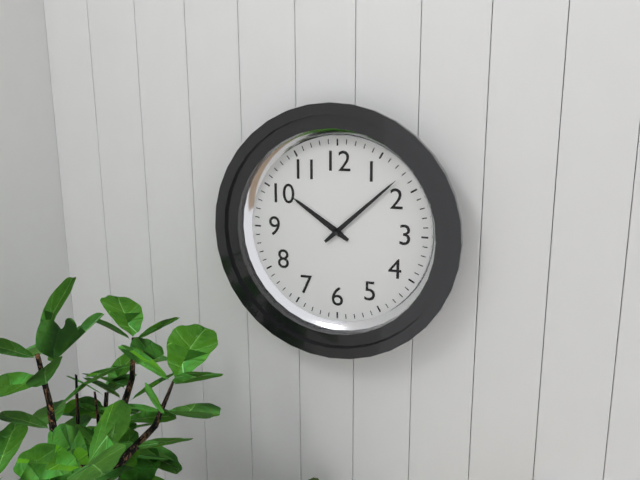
10:08
